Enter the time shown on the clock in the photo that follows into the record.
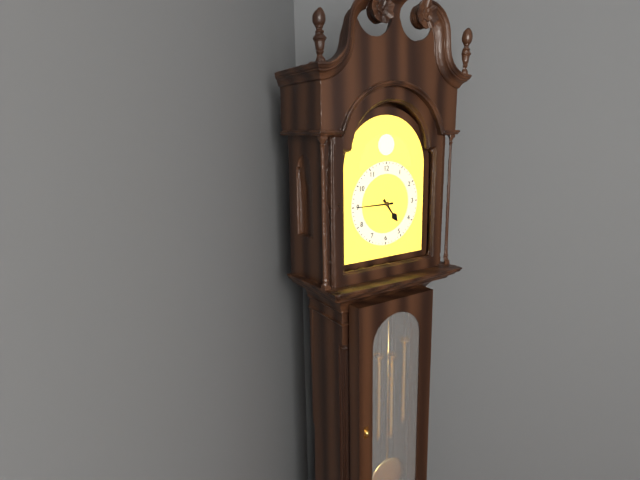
4:45
